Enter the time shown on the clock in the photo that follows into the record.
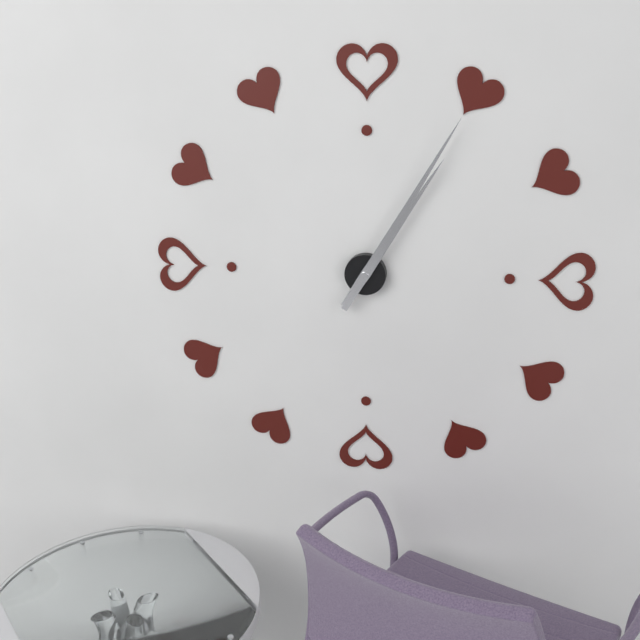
1:05
